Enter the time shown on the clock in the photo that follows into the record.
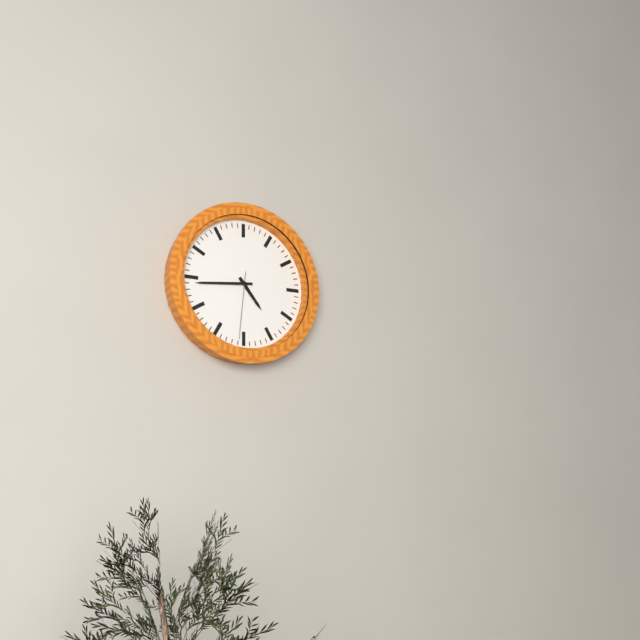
4:44:31
